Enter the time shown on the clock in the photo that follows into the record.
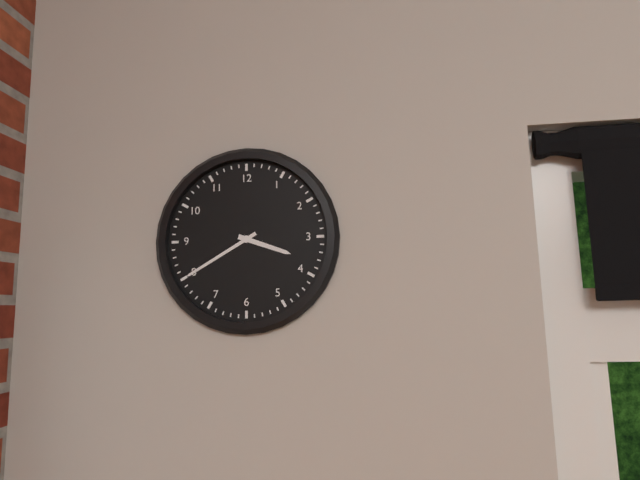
3:40
